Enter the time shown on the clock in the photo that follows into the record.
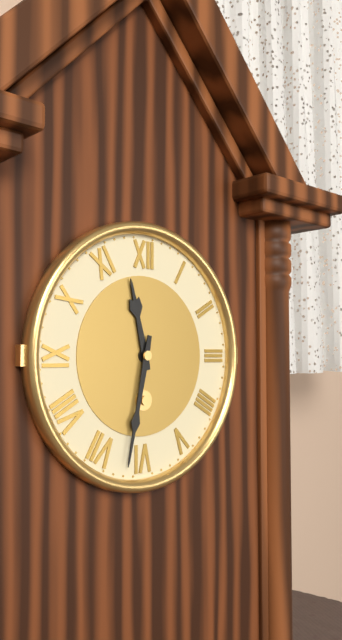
11:32
